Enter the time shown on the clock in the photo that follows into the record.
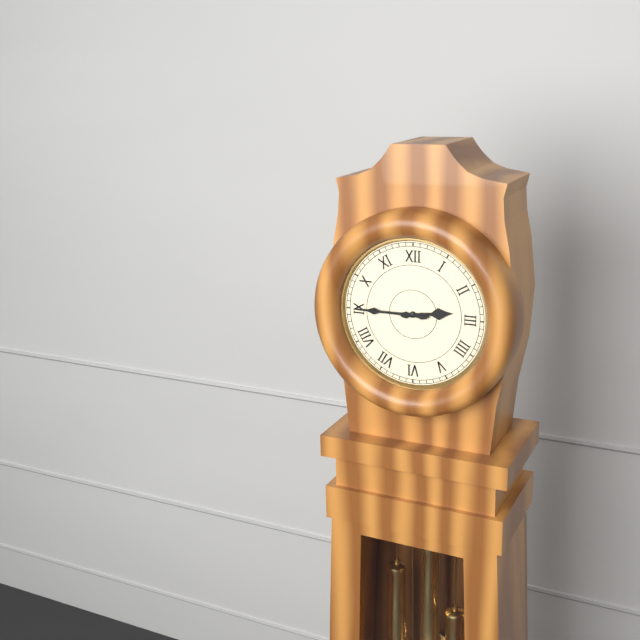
2:45
